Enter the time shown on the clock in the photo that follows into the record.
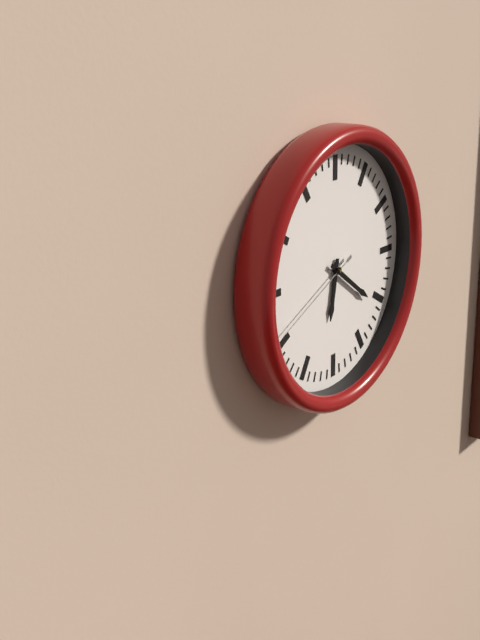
6:21:41
